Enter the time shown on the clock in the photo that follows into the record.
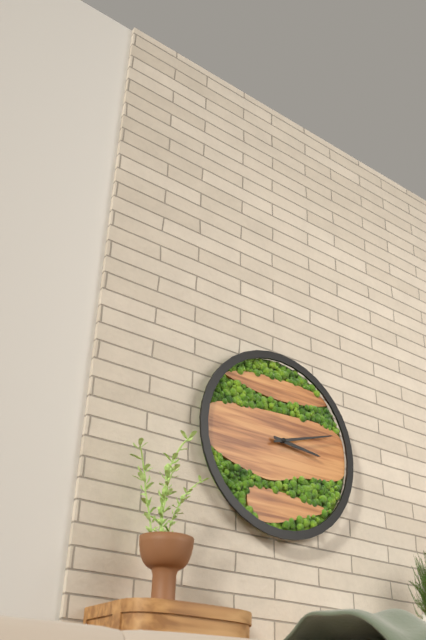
3:12
